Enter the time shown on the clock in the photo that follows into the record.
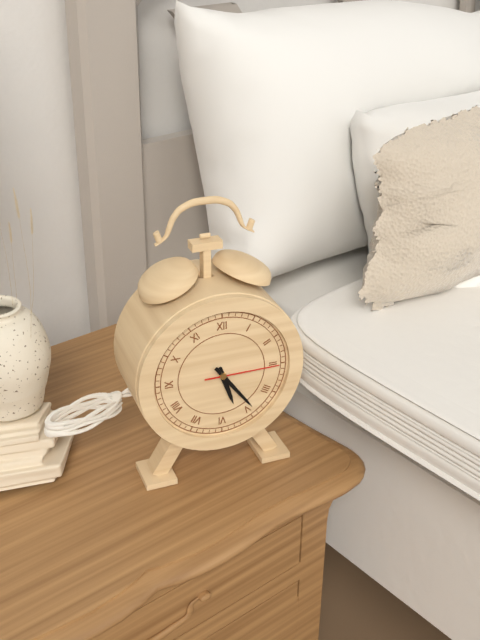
5:24:15
